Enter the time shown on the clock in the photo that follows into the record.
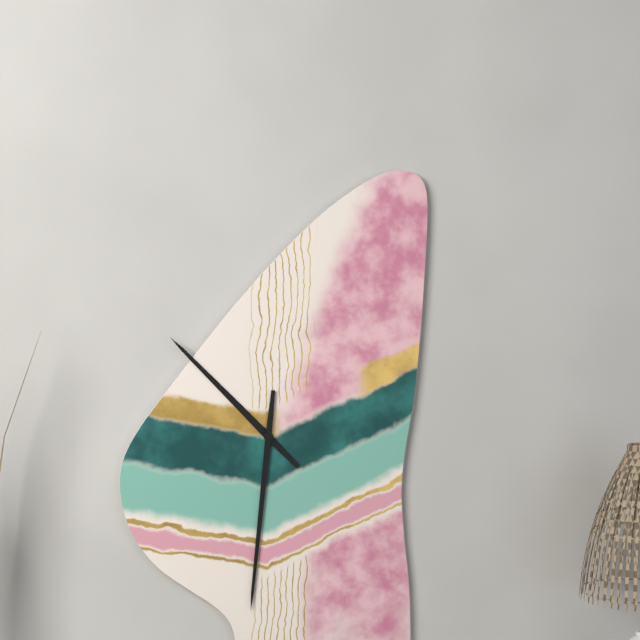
10:31
